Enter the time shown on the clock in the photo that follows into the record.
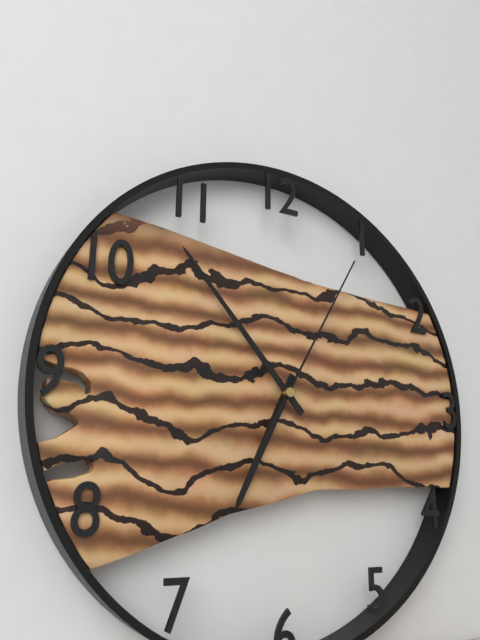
6:53:05
